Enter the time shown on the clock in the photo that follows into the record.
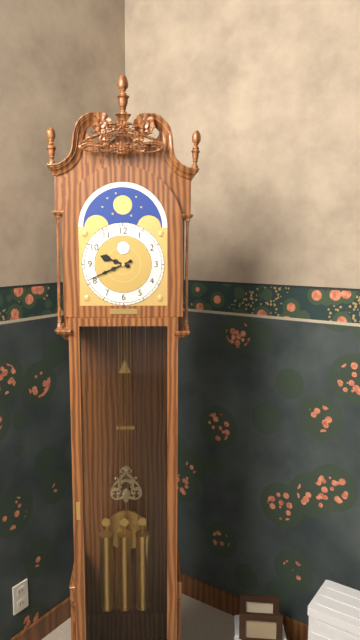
9:41
